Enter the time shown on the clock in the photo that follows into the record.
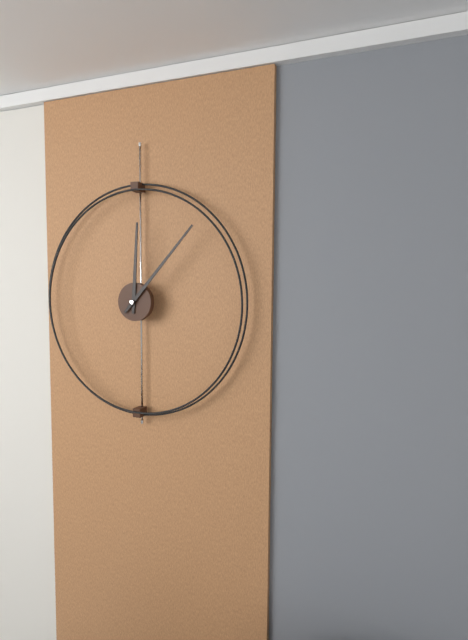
12:07
